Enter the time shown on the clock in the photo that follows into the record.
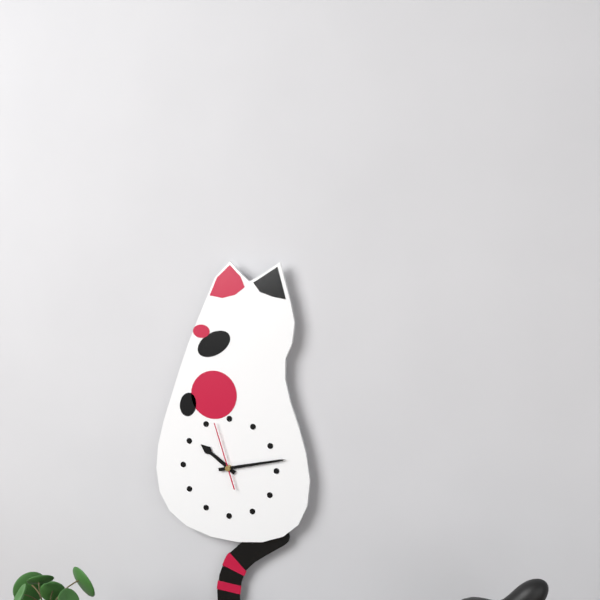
10:13:57
